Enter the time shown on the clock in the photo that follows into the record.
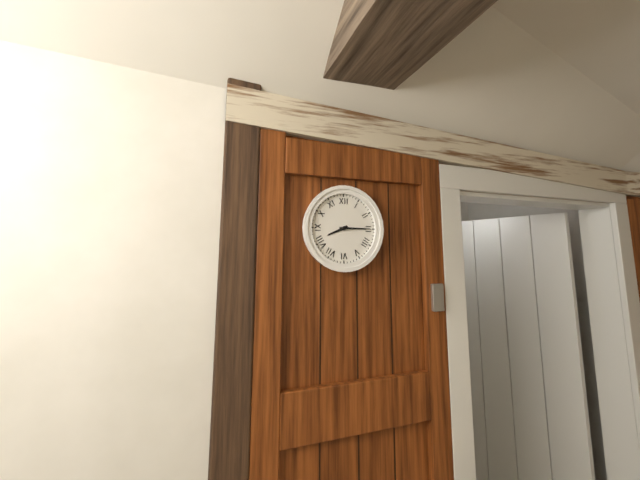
8:15
